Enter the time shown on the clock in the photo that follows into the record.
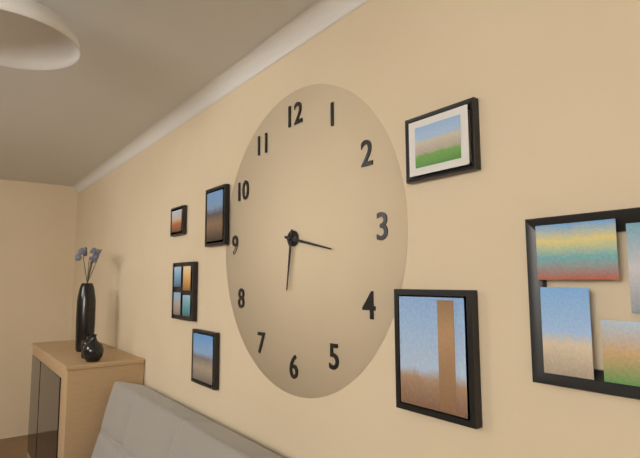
6:17
